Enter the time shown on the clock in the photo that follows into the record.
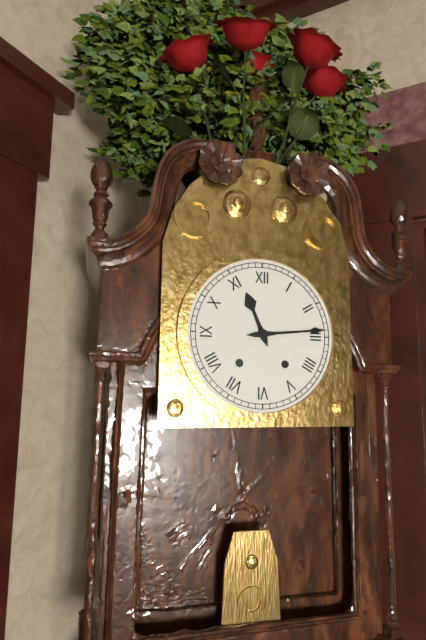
11:14
